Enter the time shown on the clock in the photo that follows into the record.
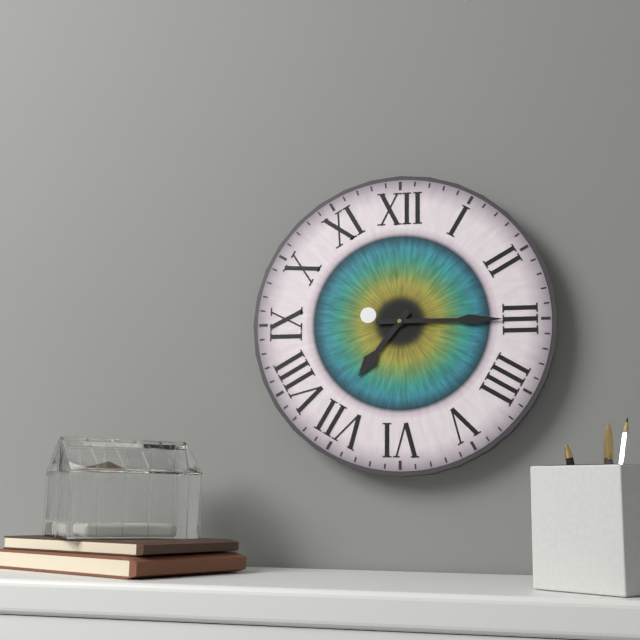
7:15
